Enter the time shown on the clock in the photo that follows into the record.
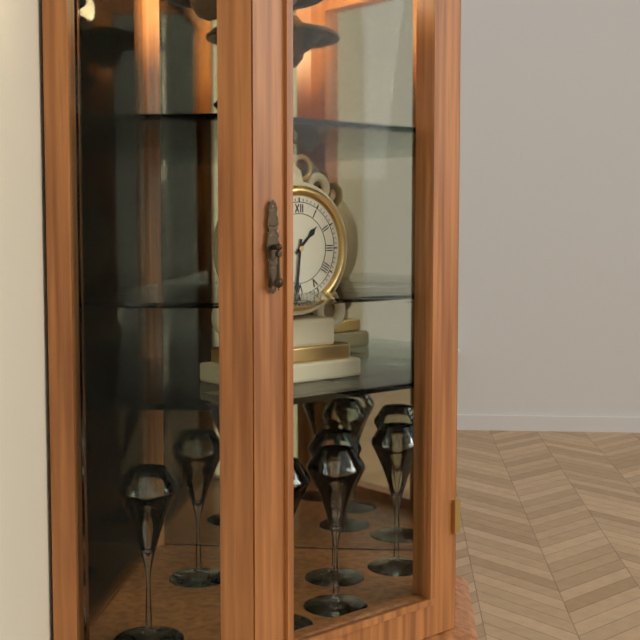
1:31
